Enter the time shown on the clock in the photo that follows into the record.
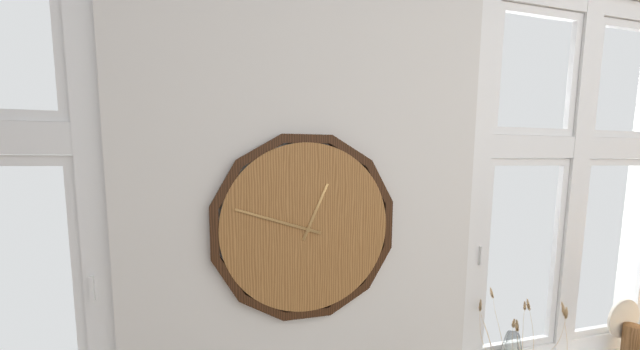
12:48
